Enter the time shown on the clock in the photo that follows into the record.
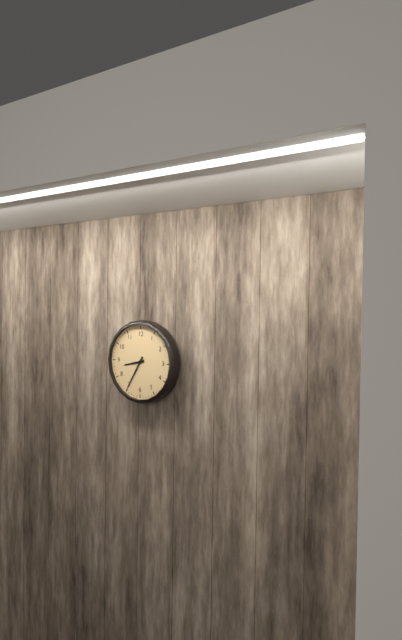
8:35
